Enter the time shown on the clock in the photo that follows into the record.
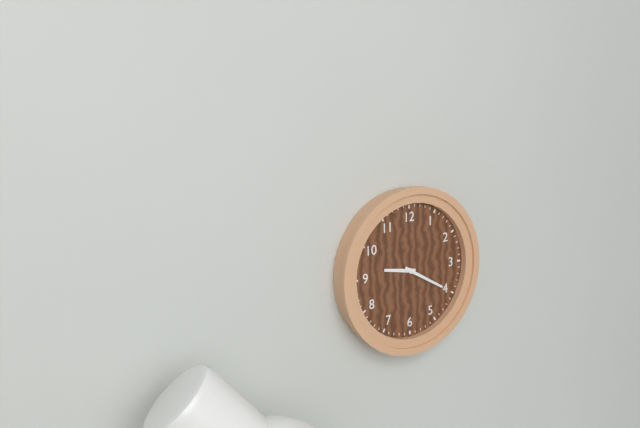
9:20
